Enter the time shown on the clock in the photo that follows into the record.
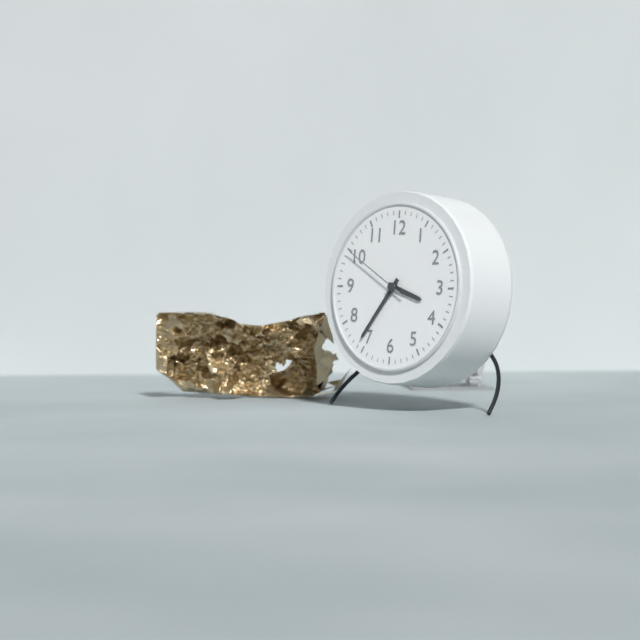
3:36:50
